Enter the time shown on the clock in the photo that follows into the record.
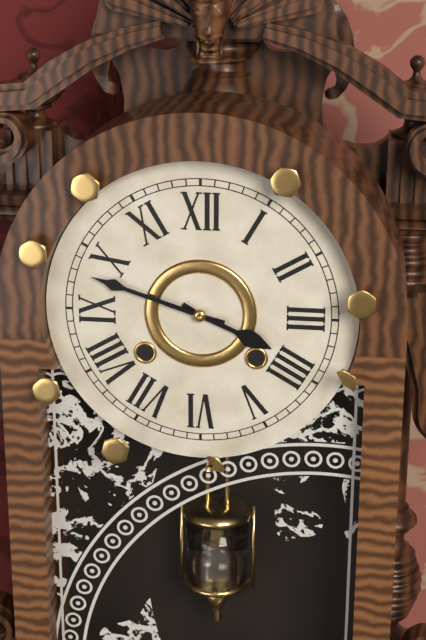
3:48
